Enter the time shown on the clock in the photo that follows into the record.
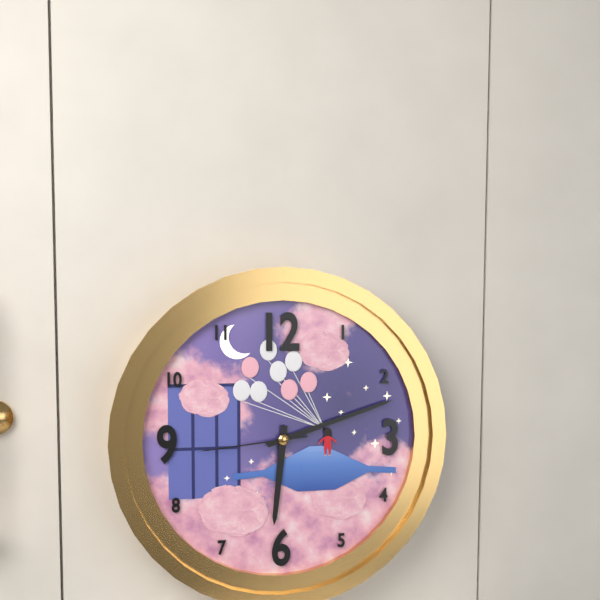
6:12:44
